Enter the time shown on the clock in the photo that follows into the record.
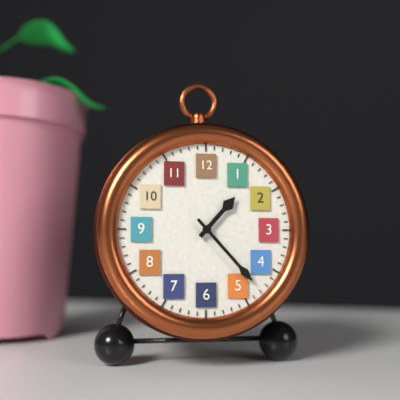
1:23
